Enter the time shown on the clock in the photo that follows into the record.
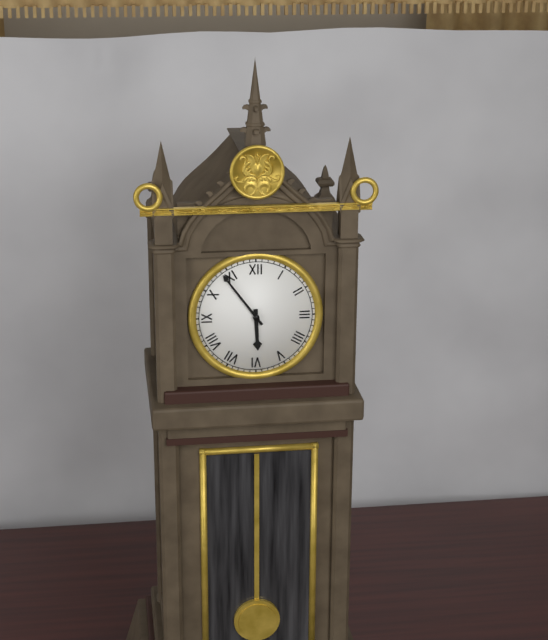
5:54
